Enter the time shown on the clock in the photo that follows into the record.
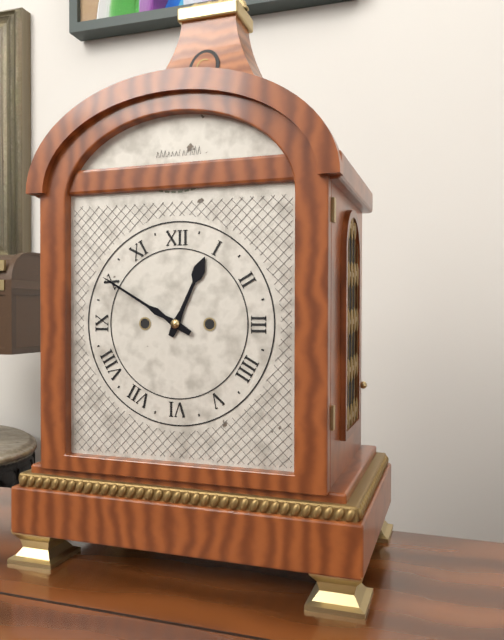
12:50
